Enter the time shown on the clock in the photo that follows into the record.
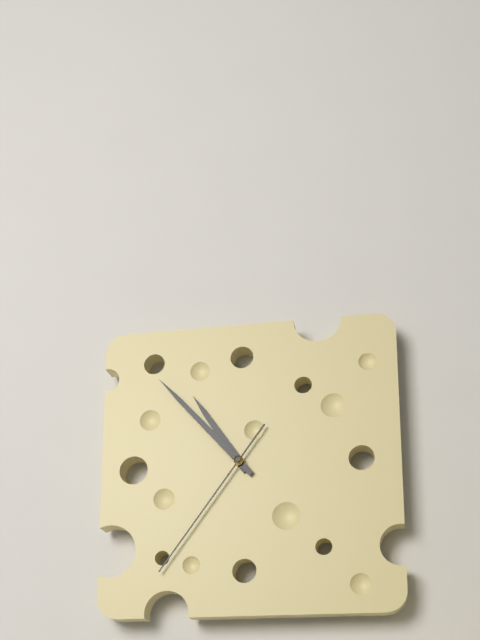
10:53:36
